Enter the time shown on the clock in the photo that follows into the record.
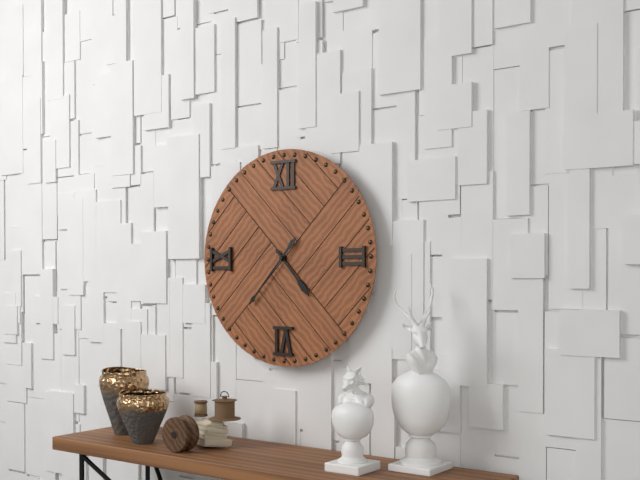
4:37
